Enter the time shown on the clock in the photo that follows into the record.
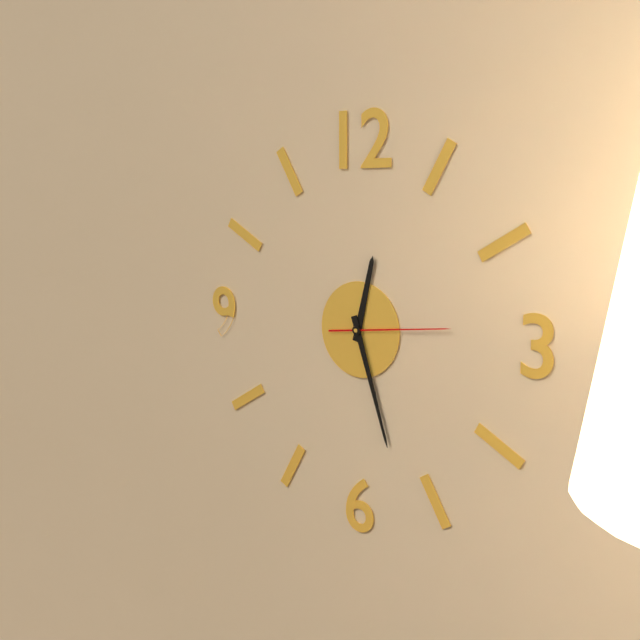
12:27:14
